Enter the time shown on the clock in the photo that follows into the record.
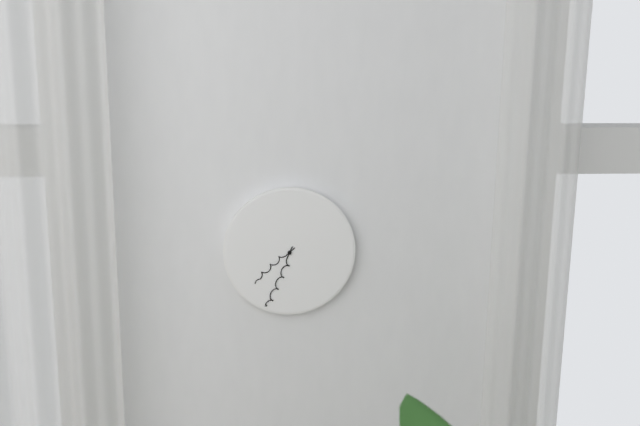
7:34
